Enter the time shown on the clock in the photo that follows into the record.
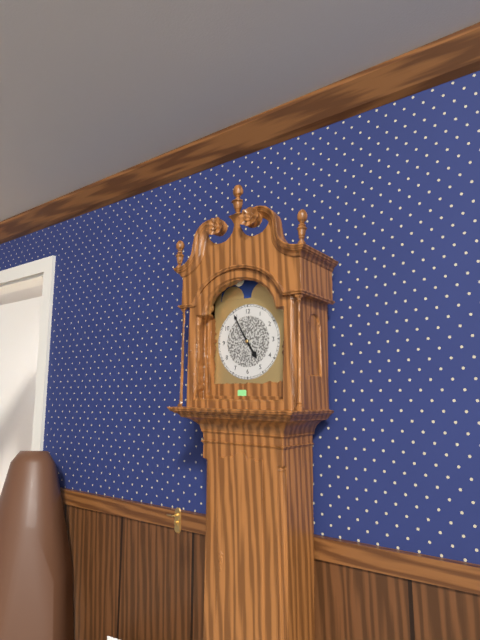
4:55
